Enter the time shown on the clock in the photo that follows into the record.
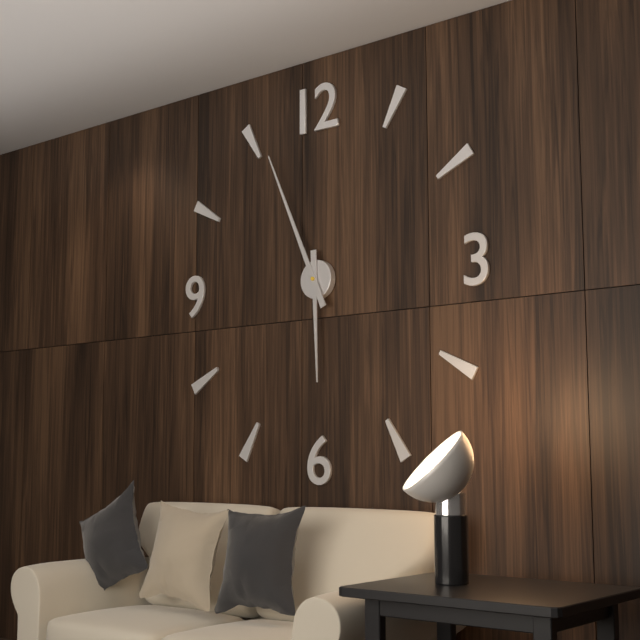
5:56
